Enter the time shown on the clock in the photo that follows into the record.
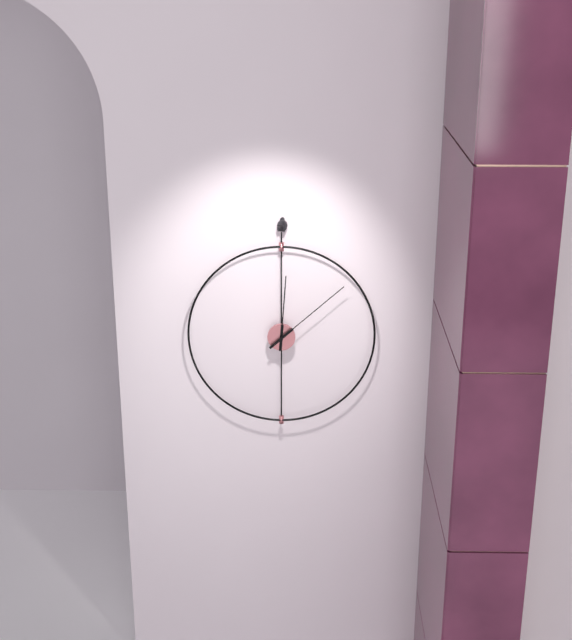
12:08
